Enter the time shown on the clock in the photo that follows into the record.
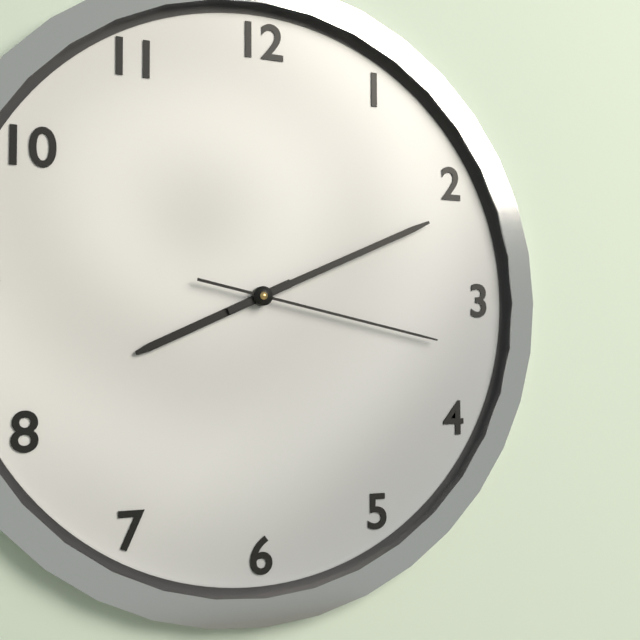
8:11:17
